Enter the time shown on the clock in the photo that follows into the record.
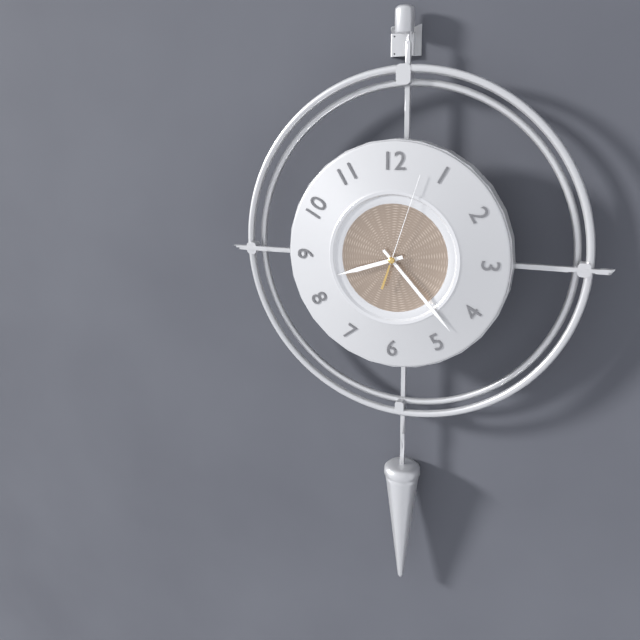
8:23:03
